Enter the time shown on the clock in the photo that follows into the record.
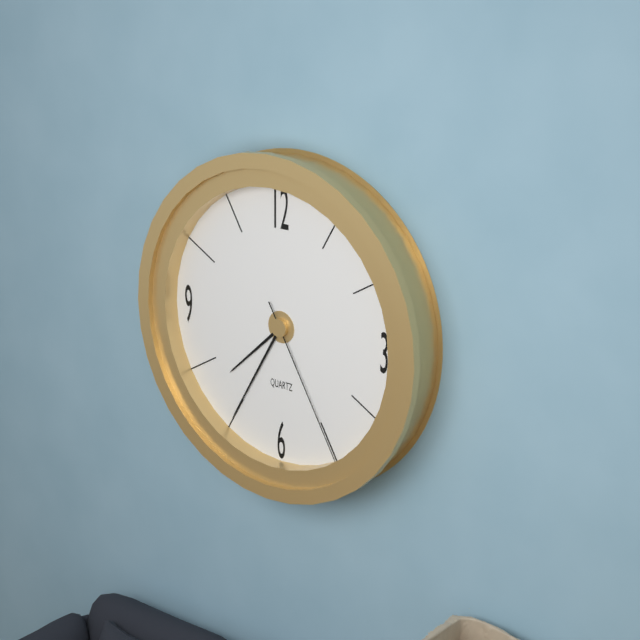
7:35:25
